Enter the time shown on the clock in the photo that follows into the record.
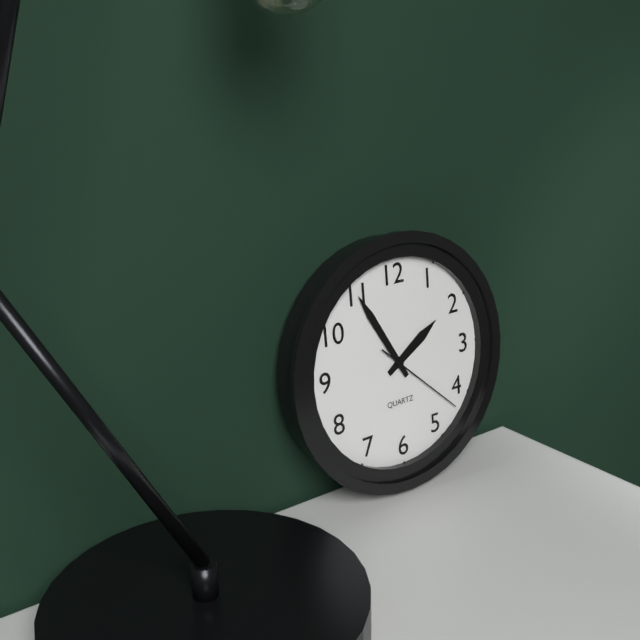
1:55:22
